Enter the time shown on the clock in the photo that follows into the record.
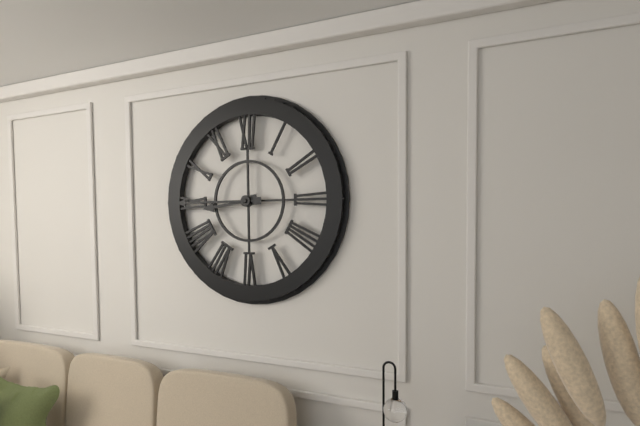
8:45
